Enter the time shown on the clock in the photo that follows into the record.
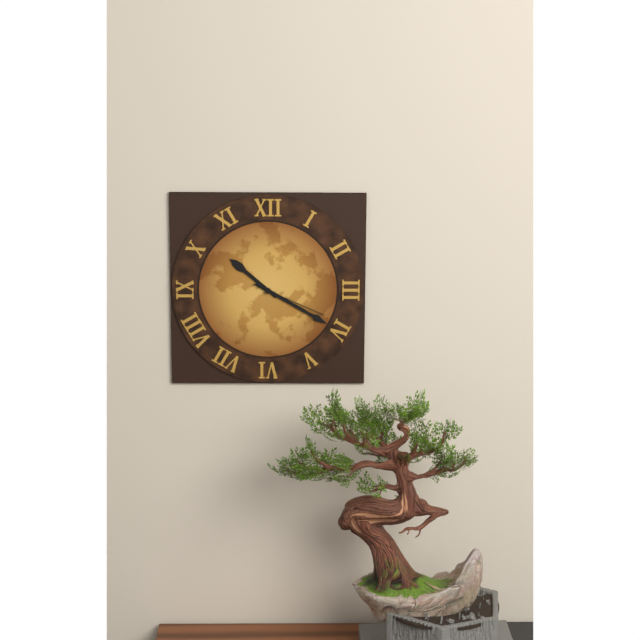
10:20:19
